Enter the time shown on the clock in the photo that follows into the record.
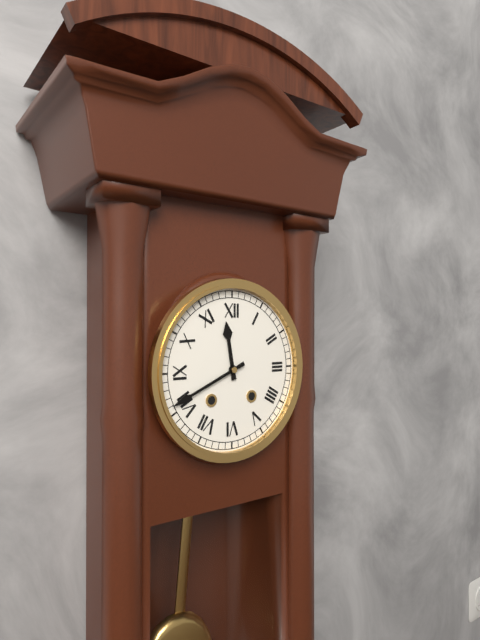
11:41
